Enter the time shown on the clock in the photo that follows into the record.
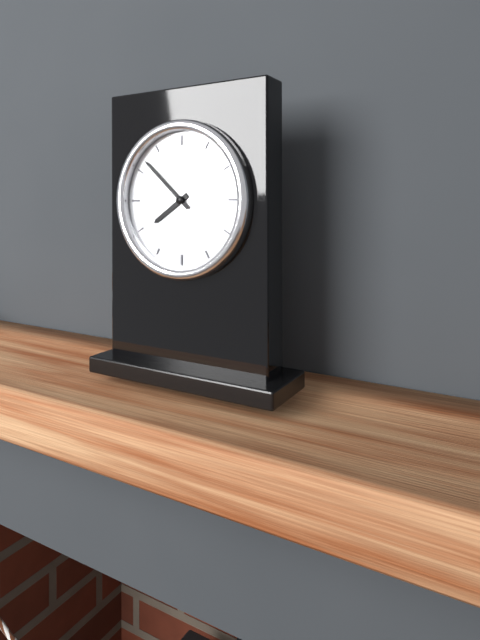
7:52
